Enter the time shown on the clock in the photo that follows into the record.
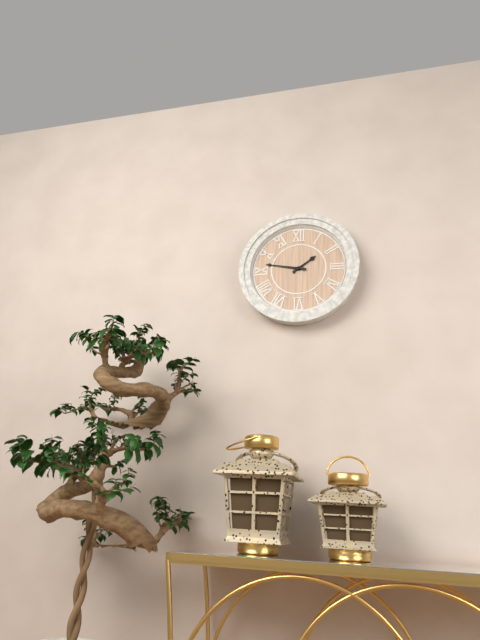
1:47
